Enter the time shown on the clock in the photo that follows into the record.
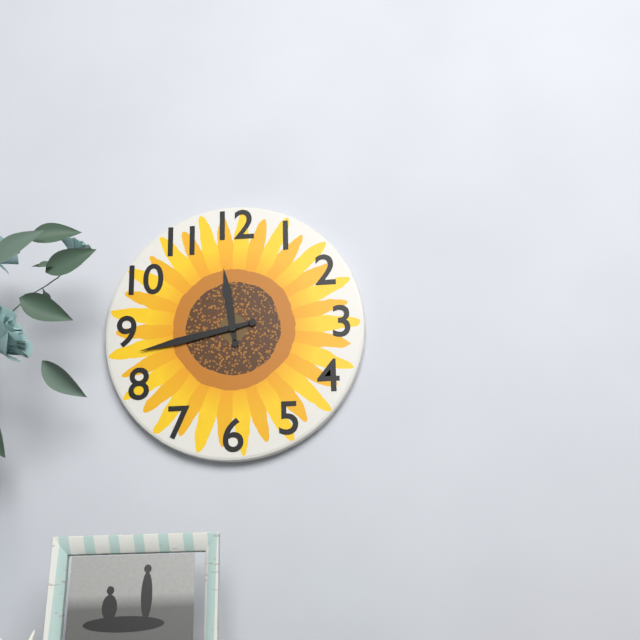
11:43
